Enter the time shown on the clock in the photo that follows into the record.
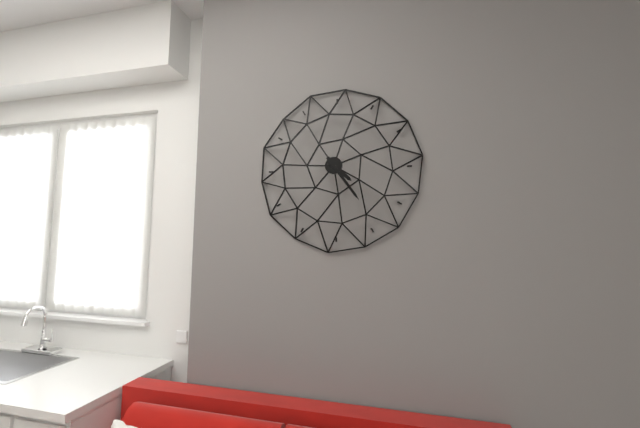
4:24
